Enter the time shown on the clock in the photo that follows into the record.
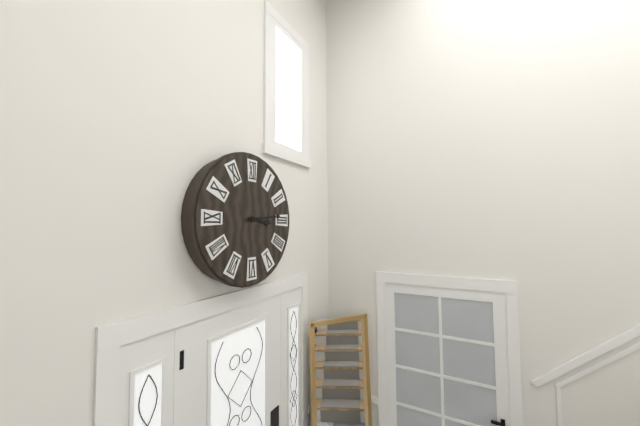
3:14
